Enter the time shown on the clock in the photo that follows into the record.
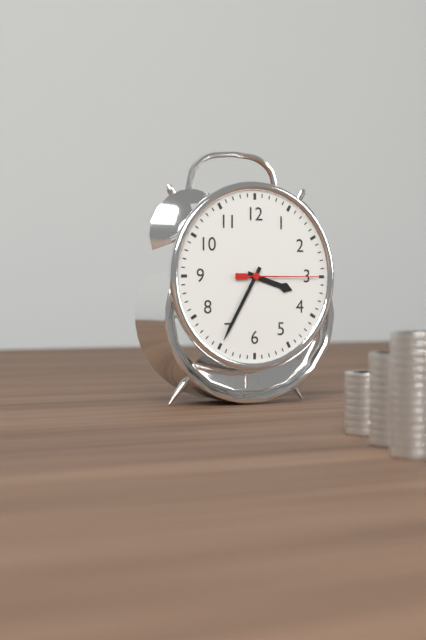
3:35:15
